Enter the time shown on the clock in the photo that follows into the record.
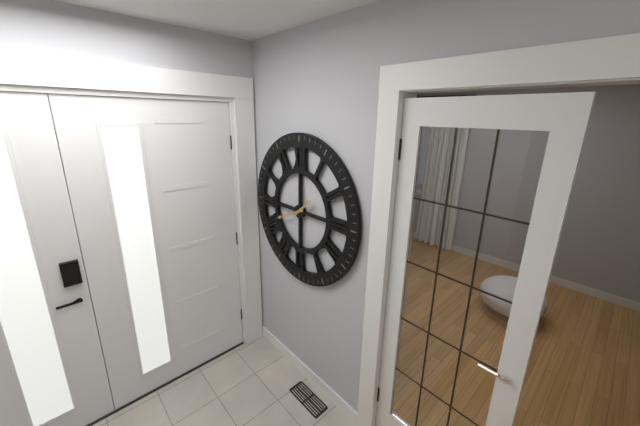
1:41
